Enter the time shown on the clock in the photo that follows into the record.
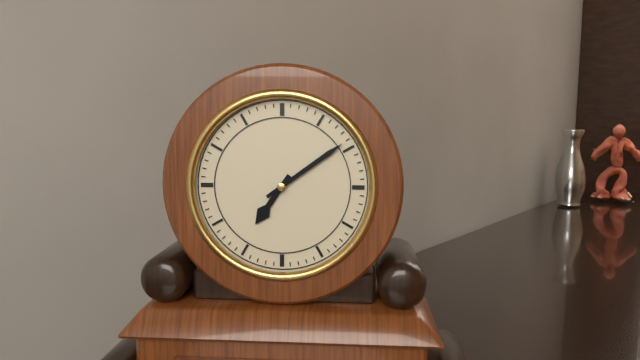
7:09
